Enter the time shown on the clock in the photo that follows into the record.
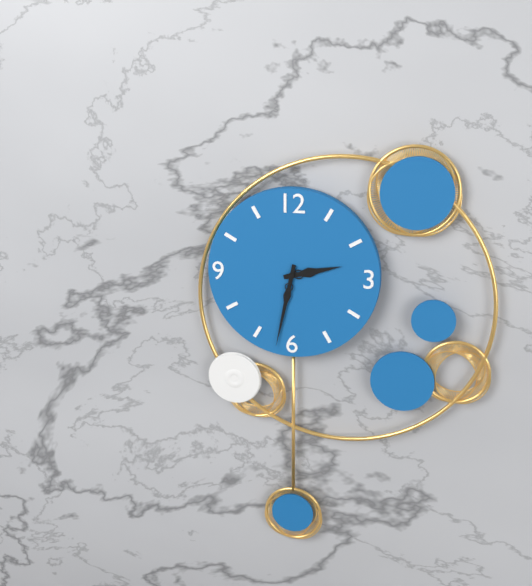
2:32
